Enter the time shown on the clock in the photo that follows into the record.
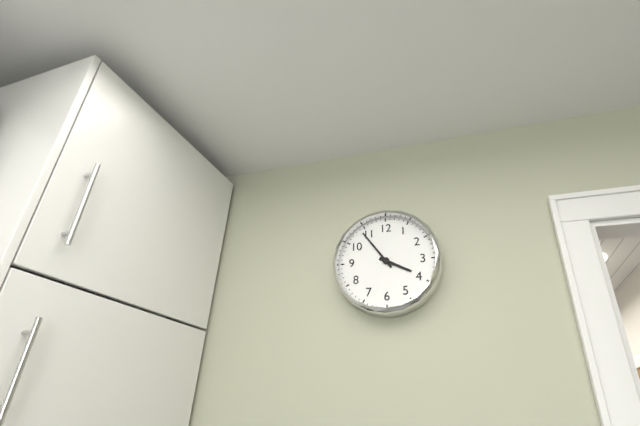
3:54
